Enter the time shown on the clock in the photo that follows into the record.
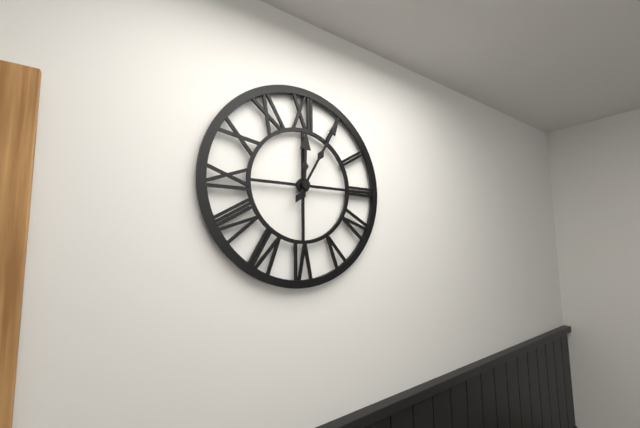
12:05
